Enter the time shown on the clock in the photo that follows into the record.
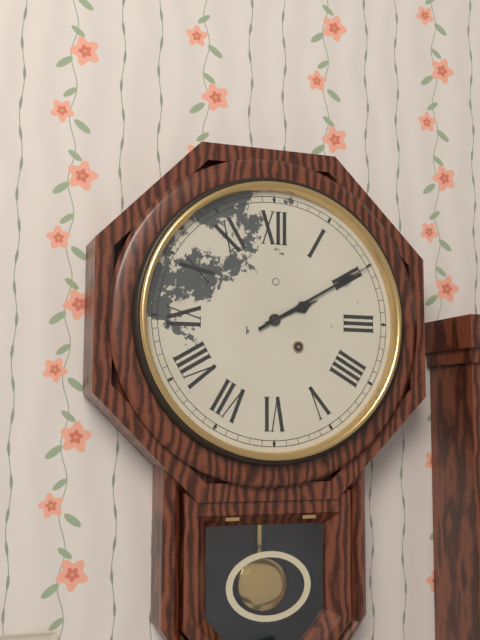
2:10
